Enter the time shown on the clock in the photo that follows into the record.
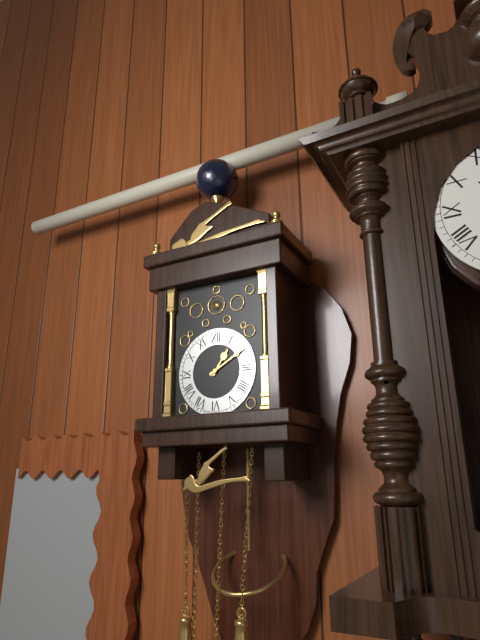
1:10
